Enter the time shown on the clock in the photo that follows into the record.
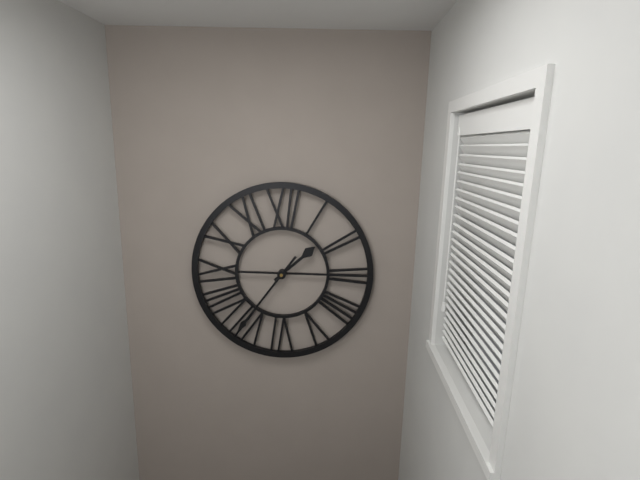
1:36
